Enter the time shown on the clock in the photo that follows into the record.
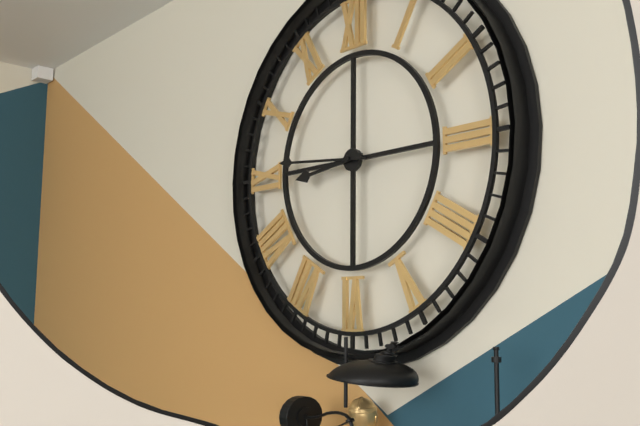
8:46
